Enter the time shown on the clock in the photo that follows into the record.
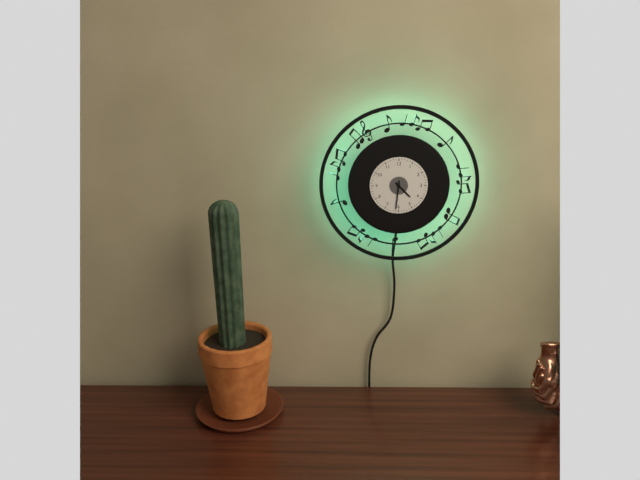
4:31
